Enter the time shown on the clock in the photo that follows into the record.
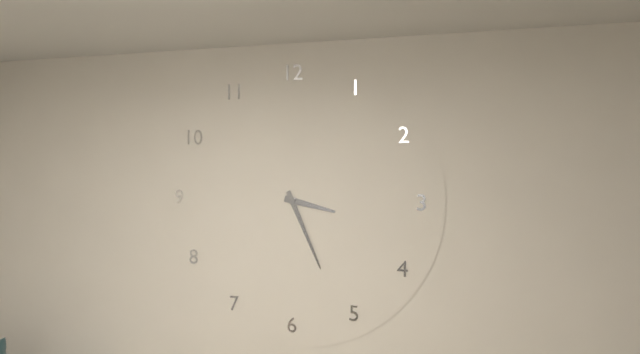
3:26
